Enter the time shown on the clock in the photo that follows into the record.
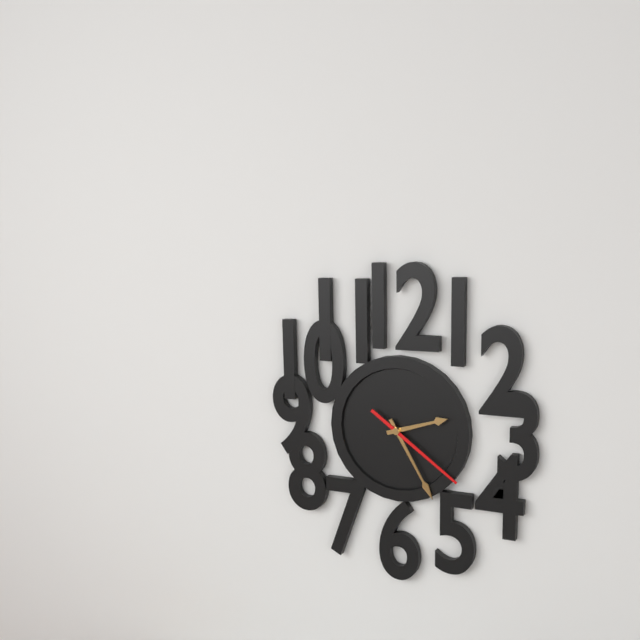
2:25:21
